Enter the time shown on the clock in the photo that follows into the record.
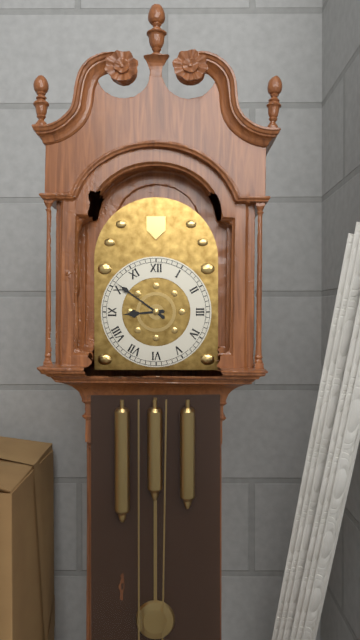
8:51
